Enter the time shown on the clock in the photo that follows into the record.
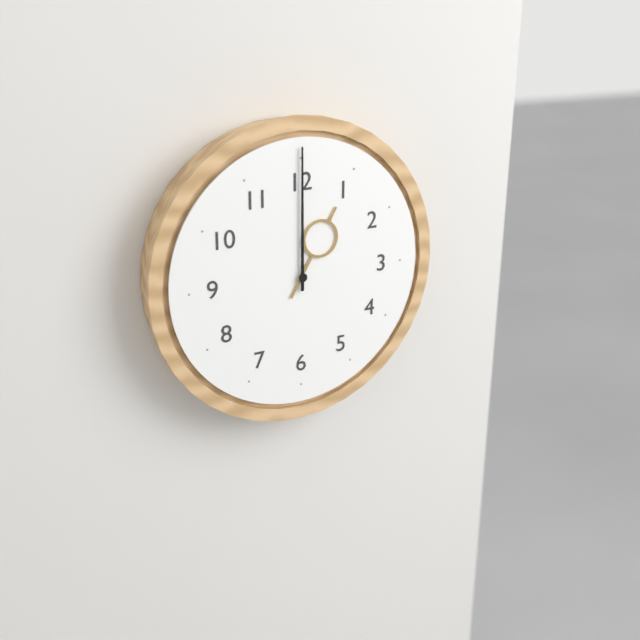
1:00
